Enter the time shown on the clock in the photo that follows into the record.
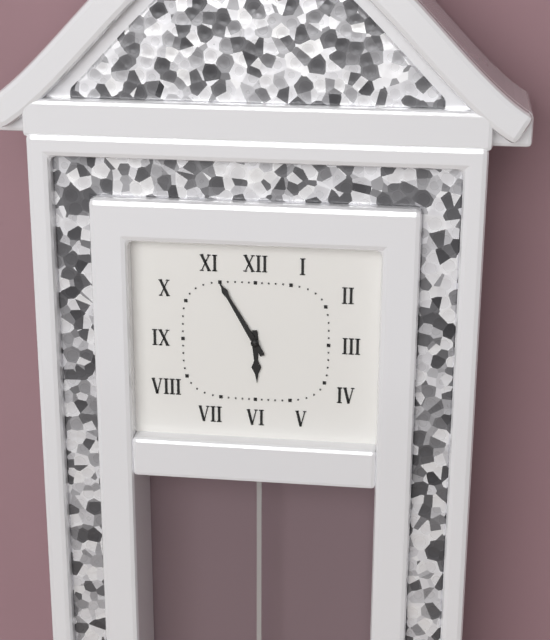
5:55
